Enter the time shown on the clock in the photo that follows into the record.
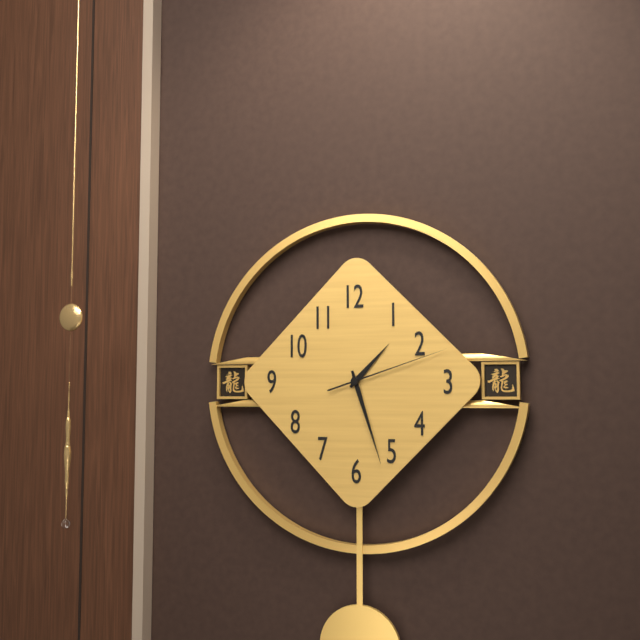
1:27:12
